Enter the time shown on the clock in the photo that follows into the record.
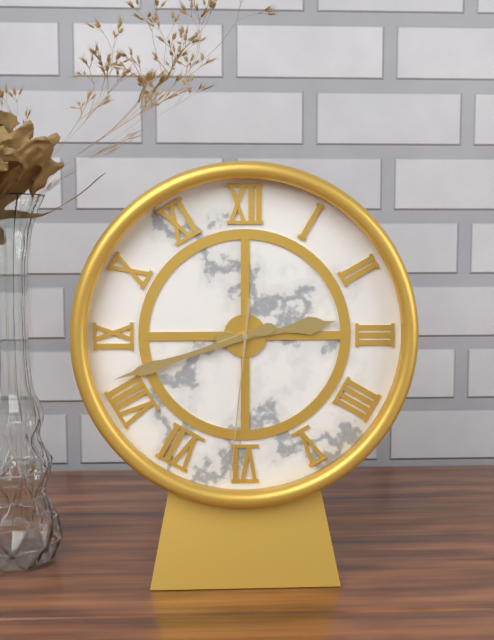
2:42:31
